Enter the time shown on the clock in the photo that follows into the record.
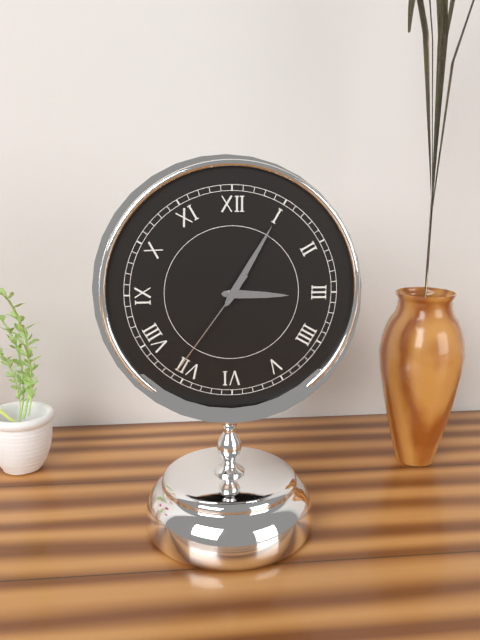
3:05:36
